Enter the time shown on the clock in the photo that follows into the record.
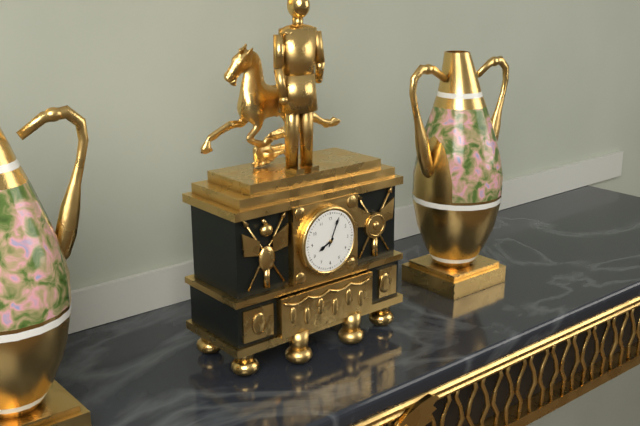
8:04
